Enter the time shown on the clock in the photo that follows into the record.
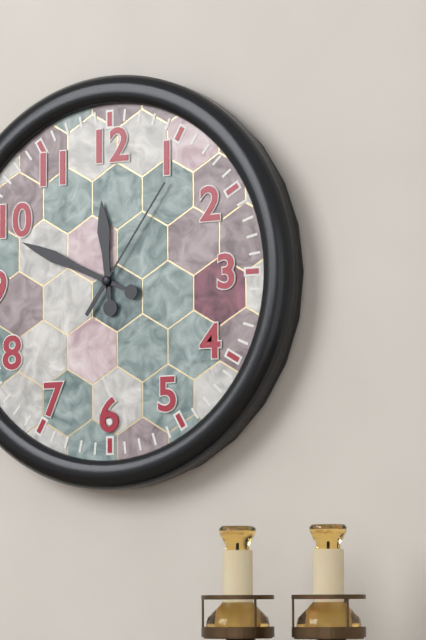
11:49:06
